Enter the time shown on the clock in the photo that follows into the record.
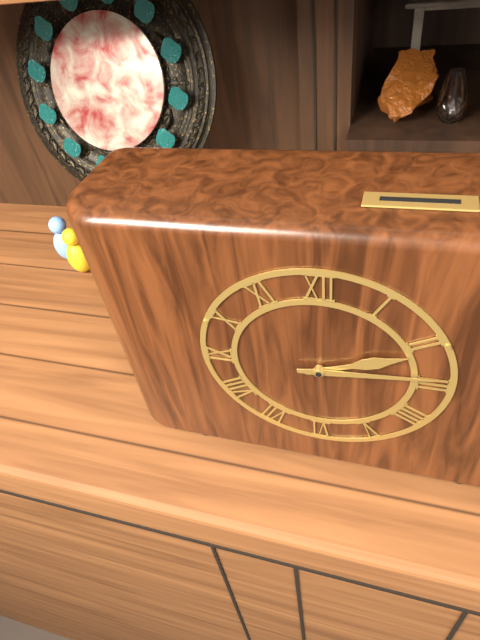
2:14
